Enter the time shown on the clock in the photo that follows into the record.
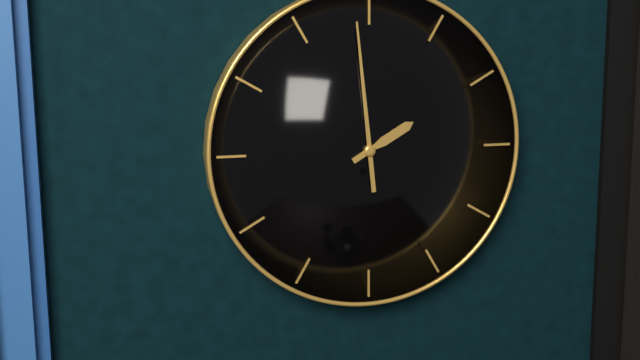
1:59
